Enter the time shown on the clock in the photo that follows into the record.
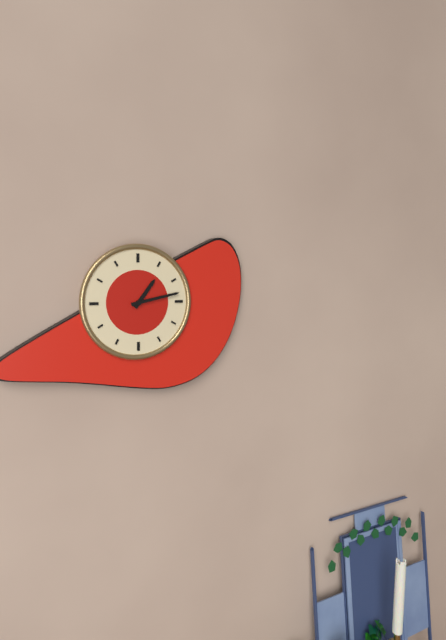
1:13
